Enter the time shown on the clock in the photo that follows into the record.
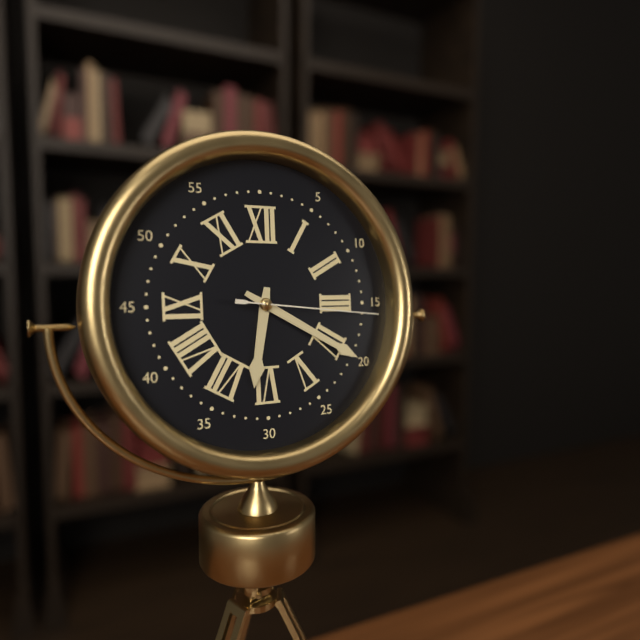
6:20:16
